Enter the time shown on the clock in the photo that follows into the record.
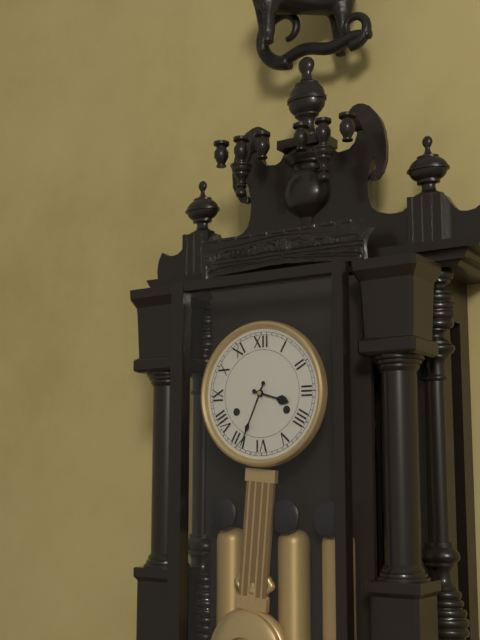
3:34
